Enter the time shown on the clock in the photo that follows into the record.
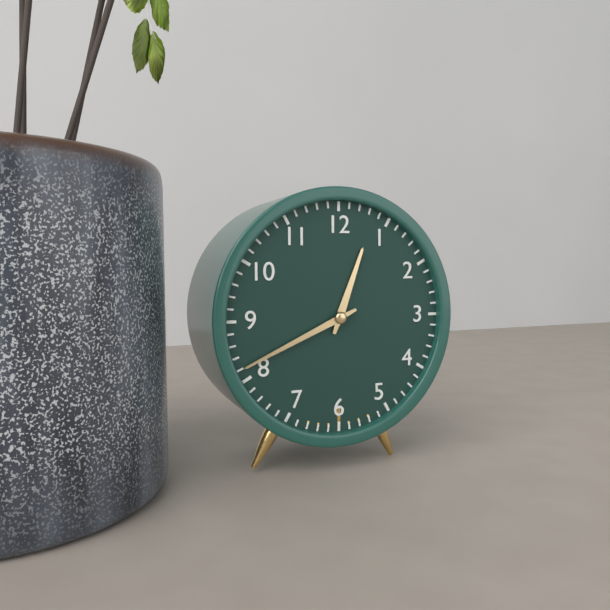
12:41
